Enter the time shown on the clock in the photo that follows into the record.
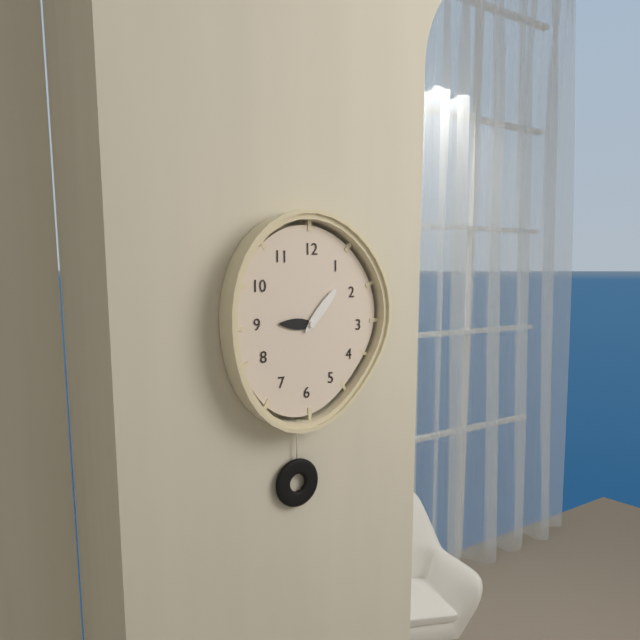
9:07
